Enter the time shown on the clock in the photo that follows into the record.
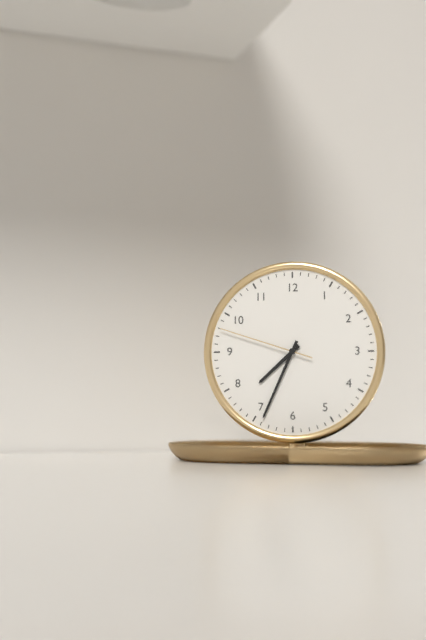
7:34:48
